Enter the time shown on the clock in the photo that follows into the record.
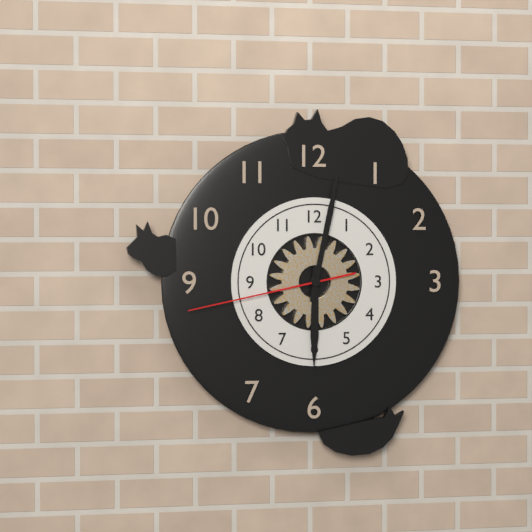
6:02:43
